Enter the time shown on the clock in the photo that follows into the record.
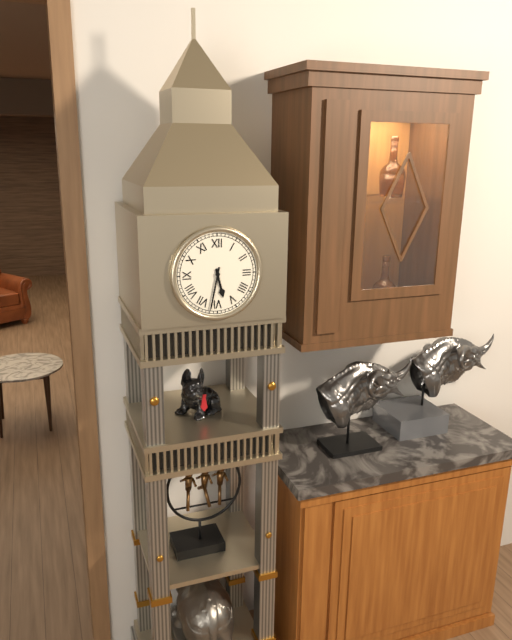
5:32
